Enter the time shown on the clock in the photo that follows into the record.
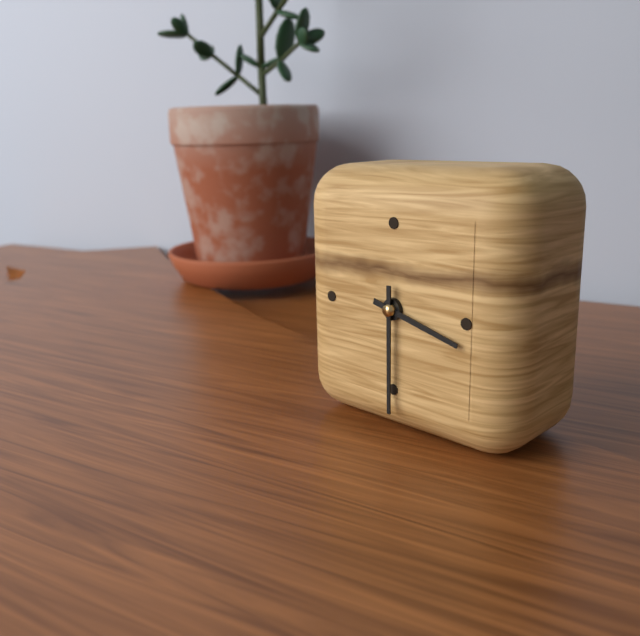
3:30
